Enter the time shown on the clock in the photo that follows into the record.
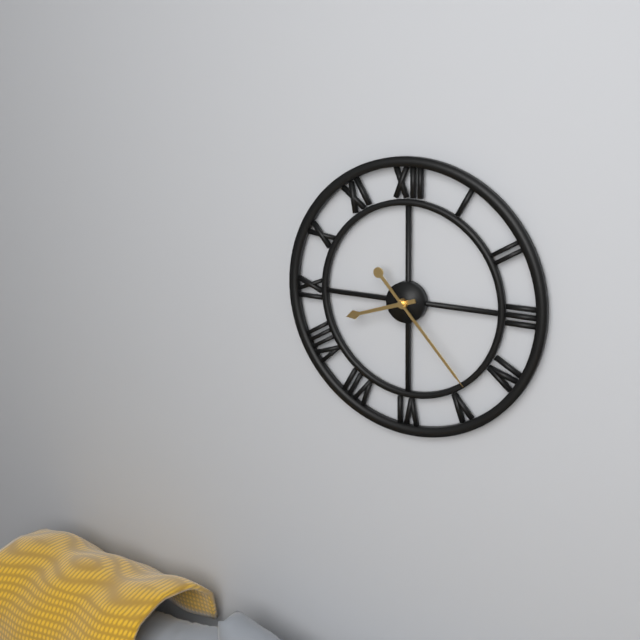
8:23
